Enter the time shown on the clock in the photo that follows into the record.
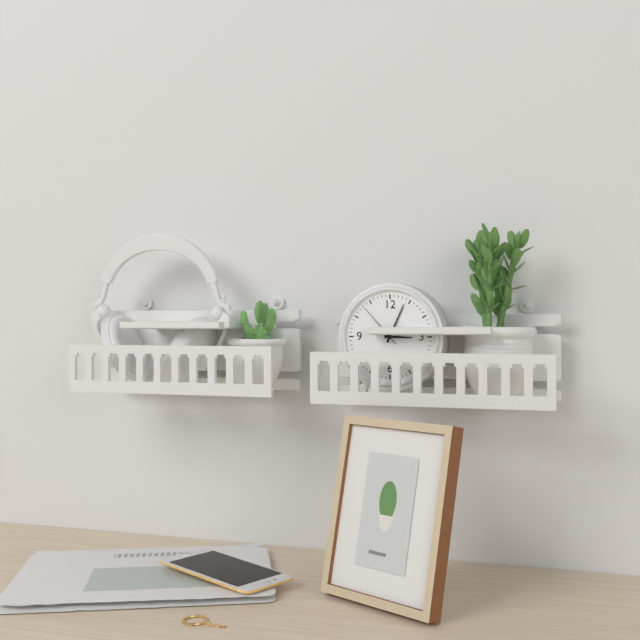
3:04
